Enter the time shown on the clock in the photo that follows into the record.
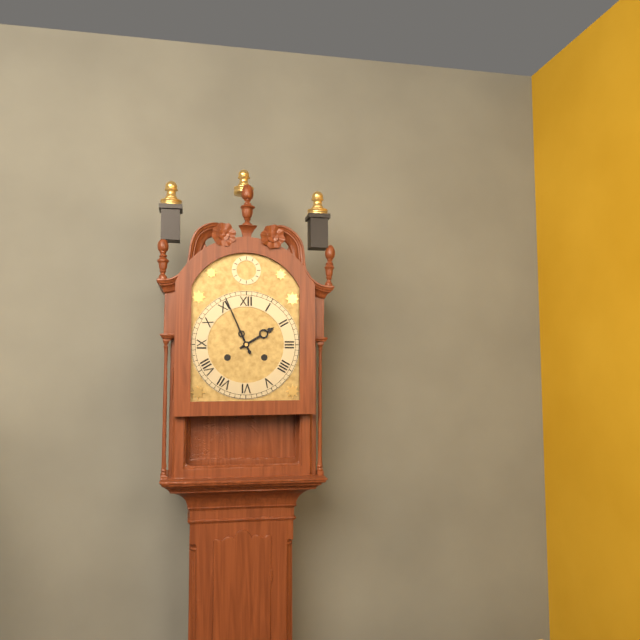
1:56
